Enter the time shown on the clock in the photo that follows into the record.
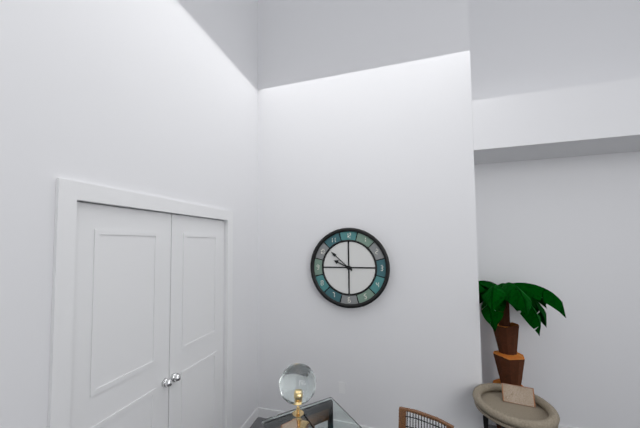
9:52
